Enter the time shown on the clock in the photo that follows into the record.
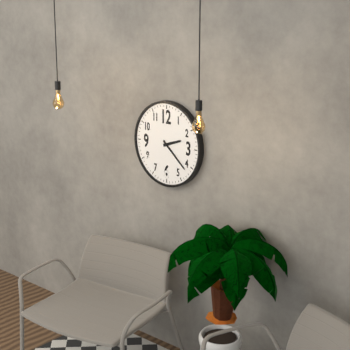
2:22
